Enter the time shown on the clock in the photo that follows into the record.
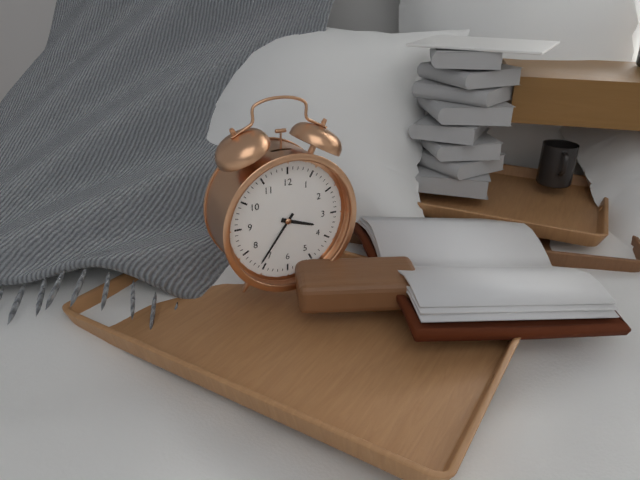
3:36
